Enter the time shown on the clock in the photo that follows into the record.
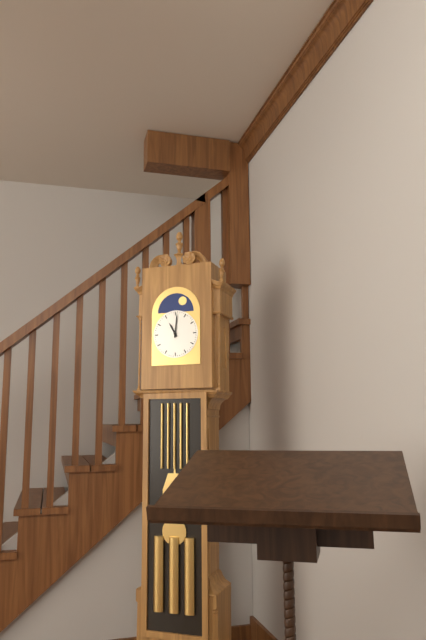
11:01
